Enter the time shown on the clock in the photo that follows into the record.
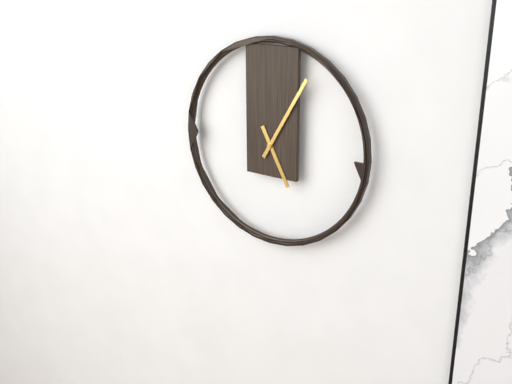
5:05
